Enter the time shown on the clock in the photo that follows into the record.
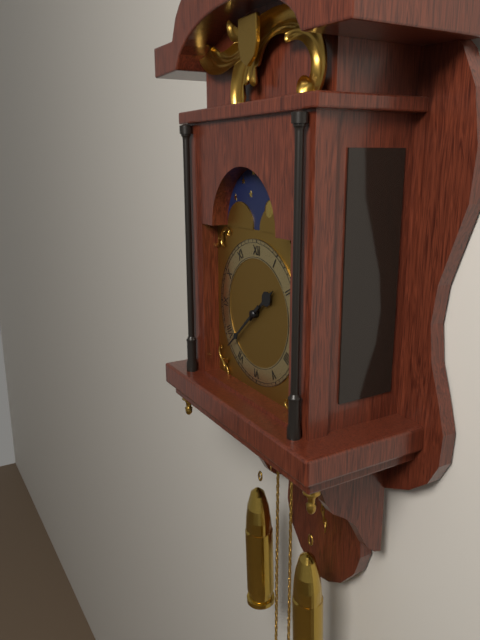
1:38
